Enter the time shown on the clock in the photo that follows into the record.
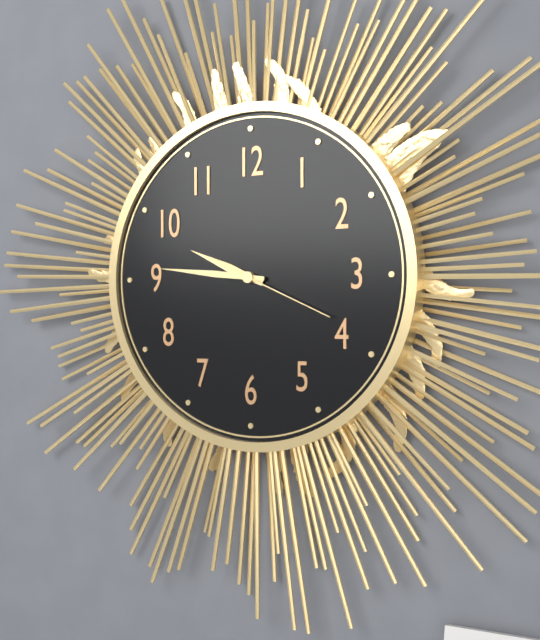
9:46:19
